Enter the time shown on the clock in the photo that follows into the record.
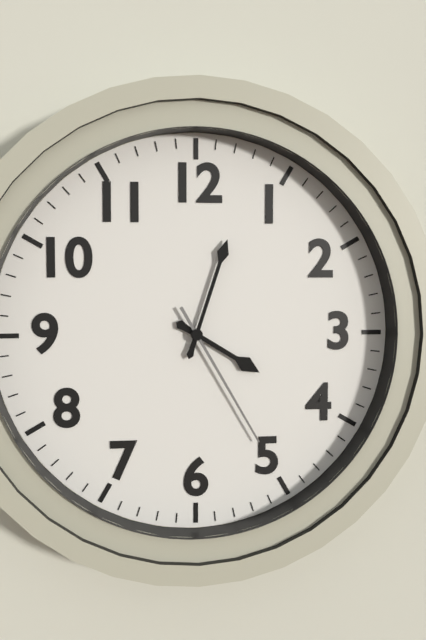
4:03:25
